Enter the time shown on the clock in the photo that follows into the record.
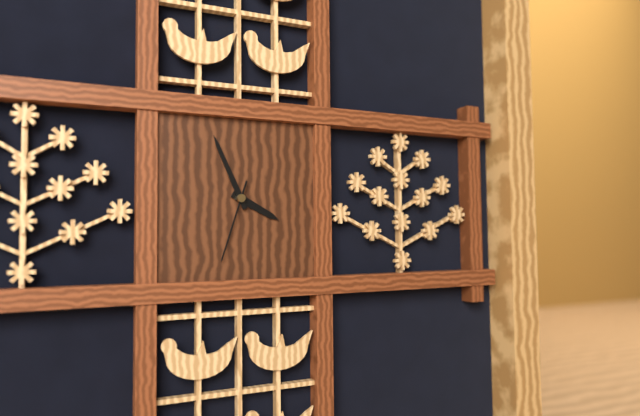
3:56:33
